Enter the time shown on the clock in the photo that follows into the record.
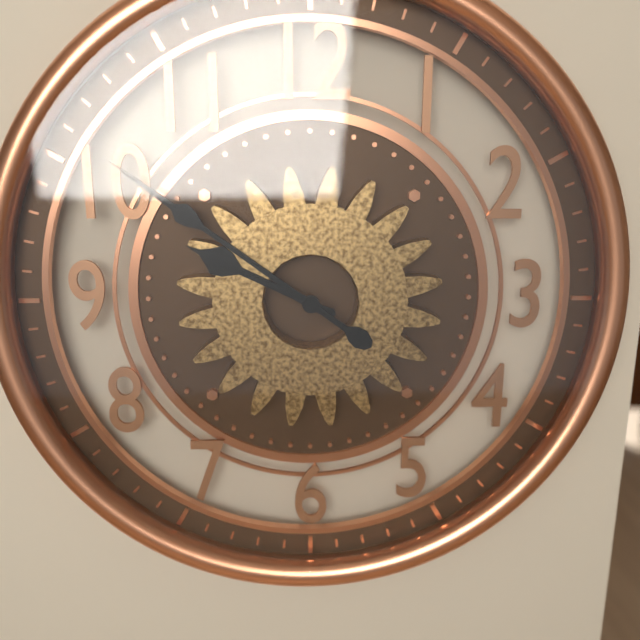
9:51
